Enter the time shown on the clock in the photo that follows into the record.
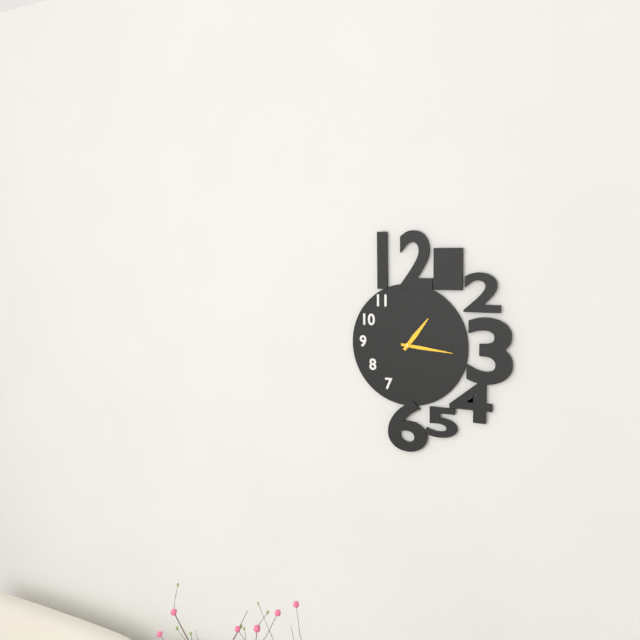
1:16
